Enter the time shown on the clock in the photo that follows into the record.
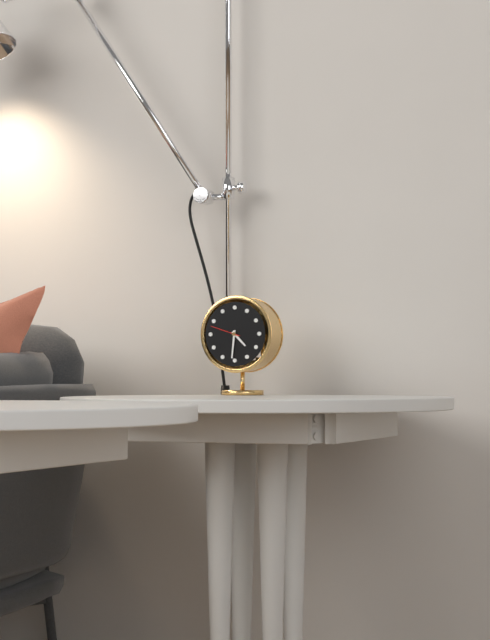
4:31
